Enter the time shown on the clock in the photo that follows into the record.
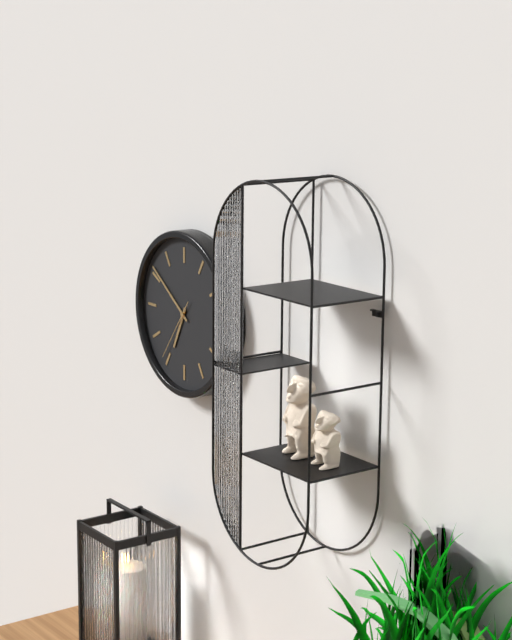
6:51:36
